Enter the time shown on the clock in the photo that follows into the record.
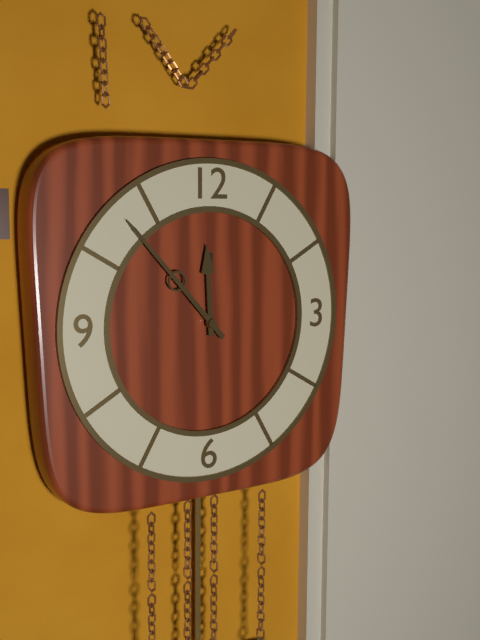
11:53
